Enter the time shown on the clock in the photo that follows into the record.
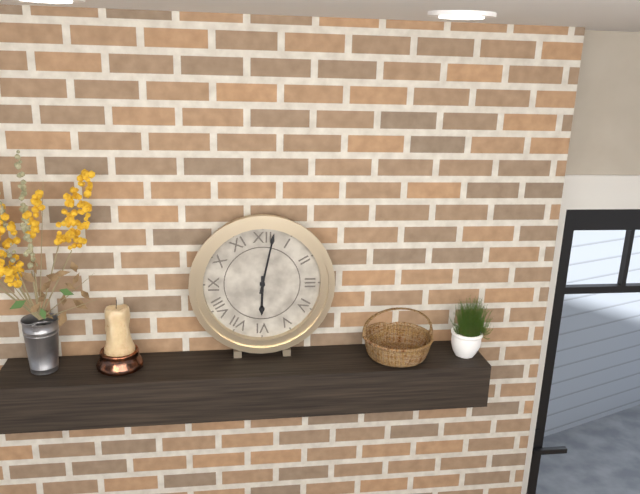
6:02
